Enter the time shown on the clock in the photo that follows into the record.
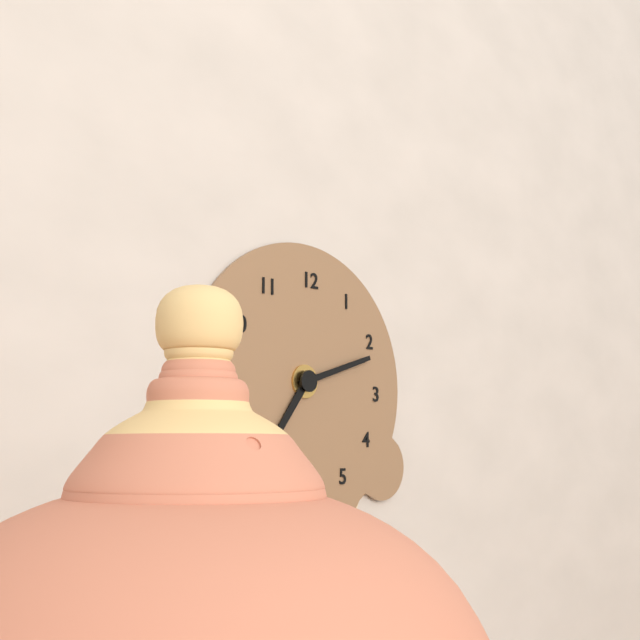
7:12
